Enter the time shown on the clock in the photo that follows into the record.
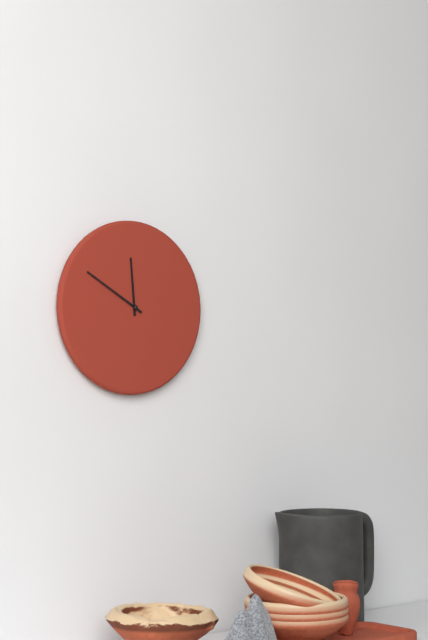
11:50
